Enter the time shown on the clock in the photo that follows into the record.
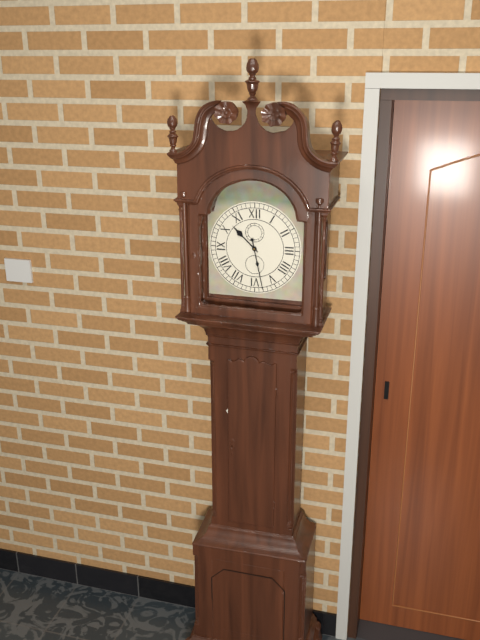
10:28
